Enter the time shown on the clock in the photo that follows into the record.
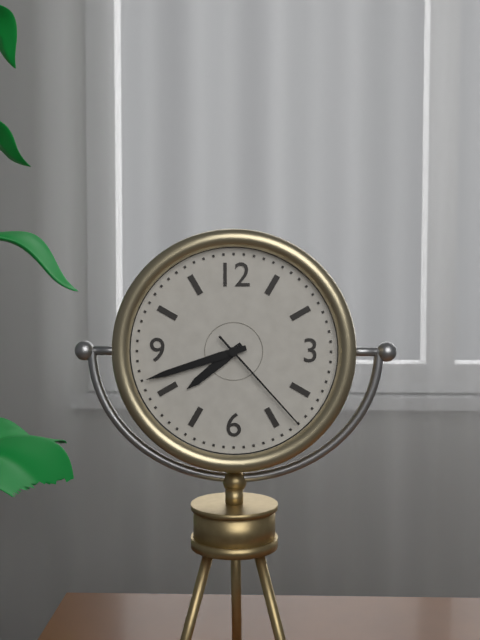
7:42:23
